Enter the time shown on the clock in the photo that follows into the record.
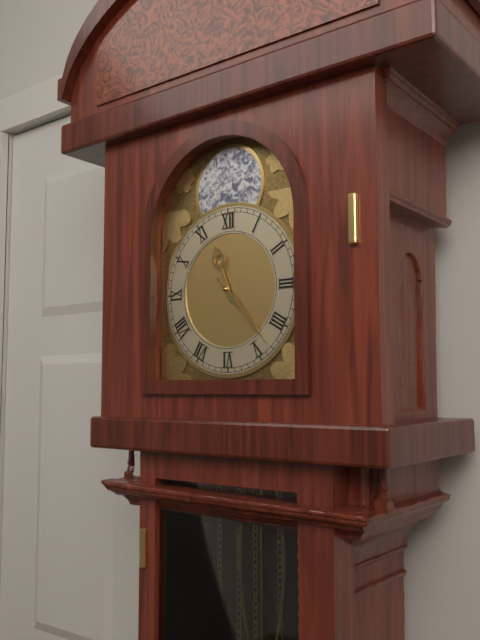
11:23
